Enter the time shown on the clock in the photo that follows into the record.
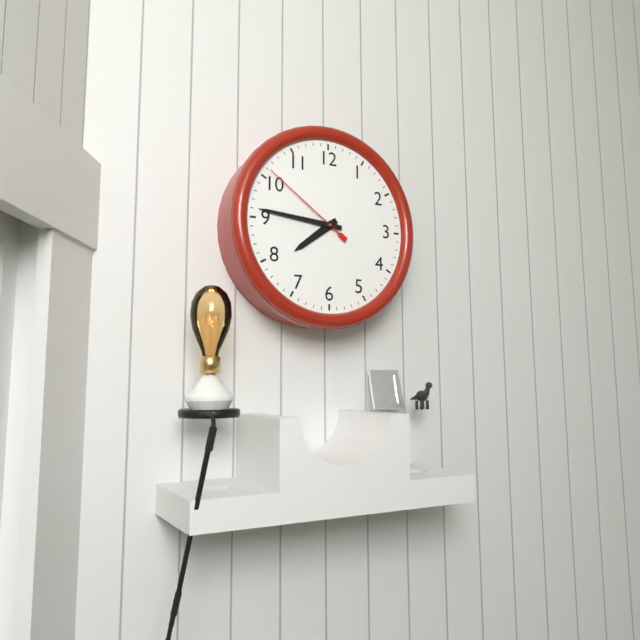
7:46:51
